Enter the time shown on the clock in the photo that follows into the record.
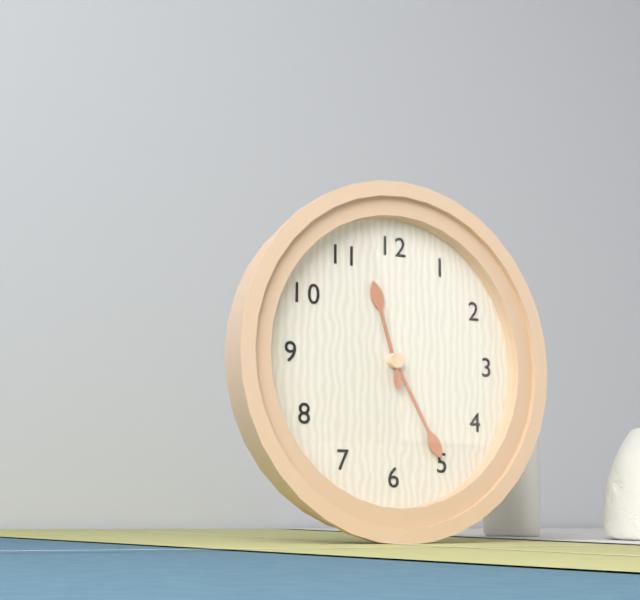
11:25
